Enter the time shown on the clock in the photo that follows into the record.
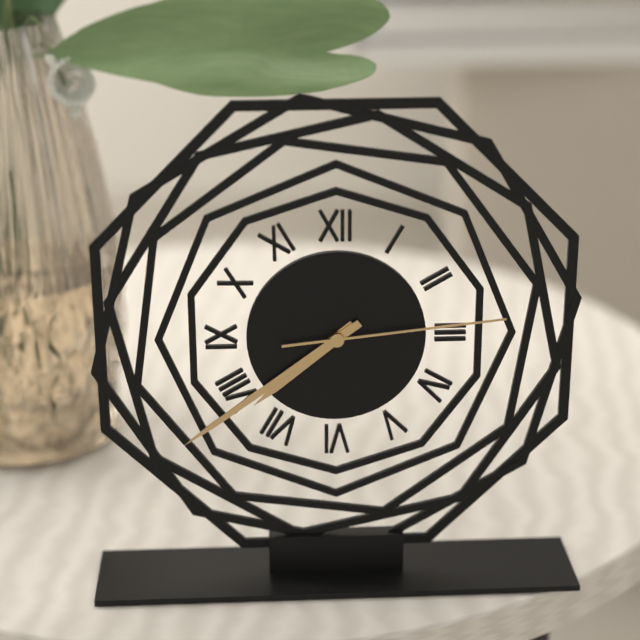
7:39:14
